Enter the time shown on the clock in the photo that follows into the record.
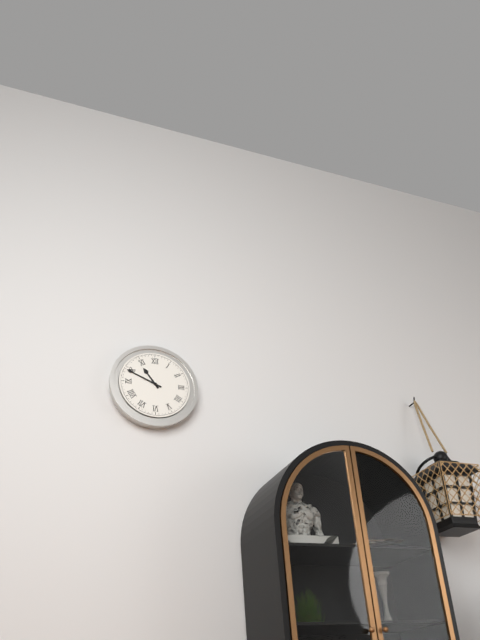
10:49
